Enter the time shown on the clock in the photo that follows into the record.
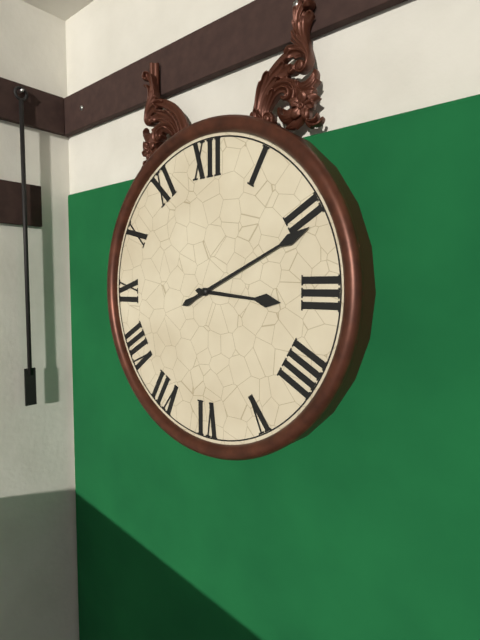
3:11
